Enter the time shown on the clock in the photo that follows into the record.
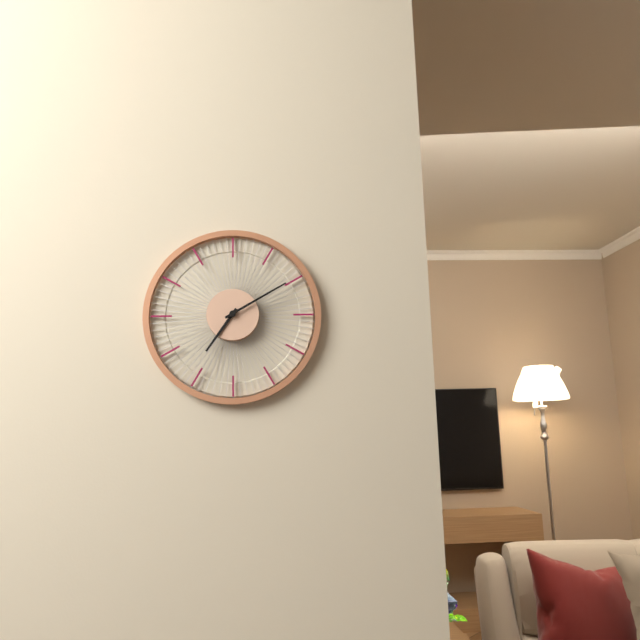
7:10
